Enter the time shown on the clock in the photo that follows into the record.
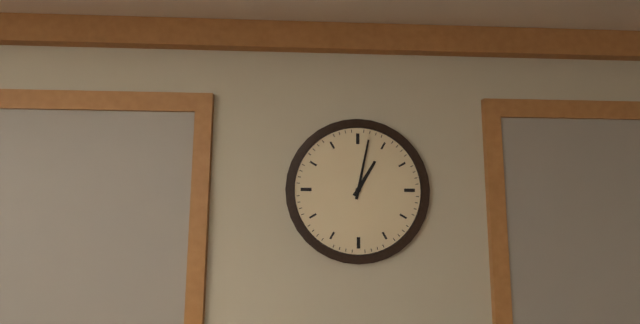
1:02
